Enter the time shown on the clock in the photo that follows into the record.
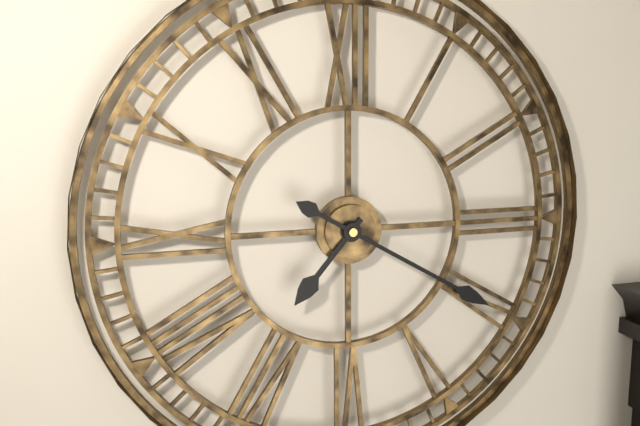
7:20
